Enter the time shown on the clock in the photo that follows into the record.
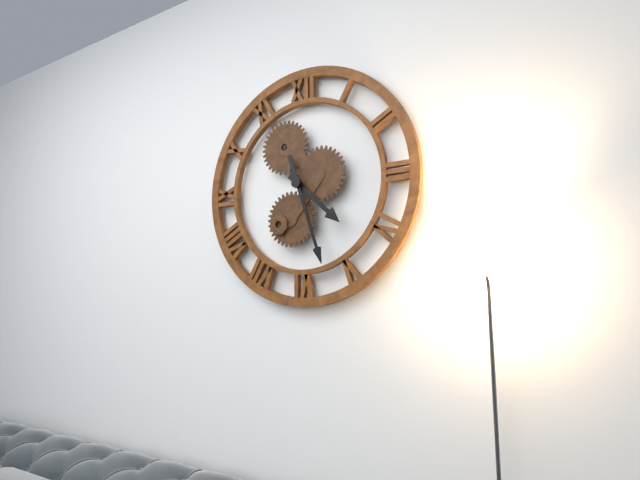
4:27
